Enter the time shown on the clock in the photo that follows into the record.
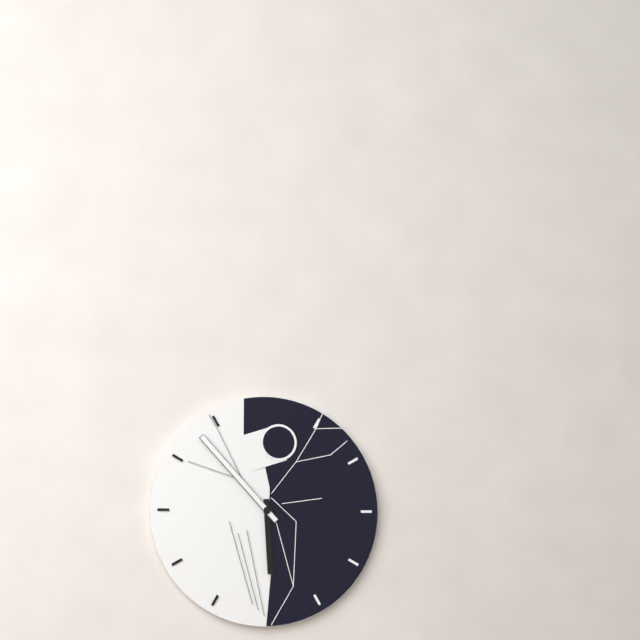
5:53
